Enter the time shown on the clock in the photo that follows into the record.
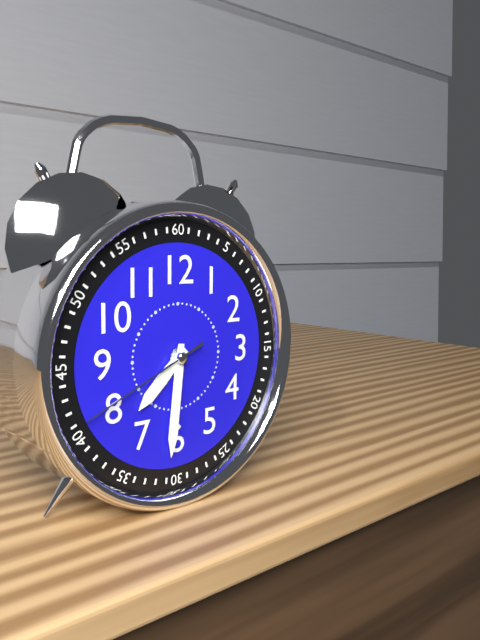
7:31:41
